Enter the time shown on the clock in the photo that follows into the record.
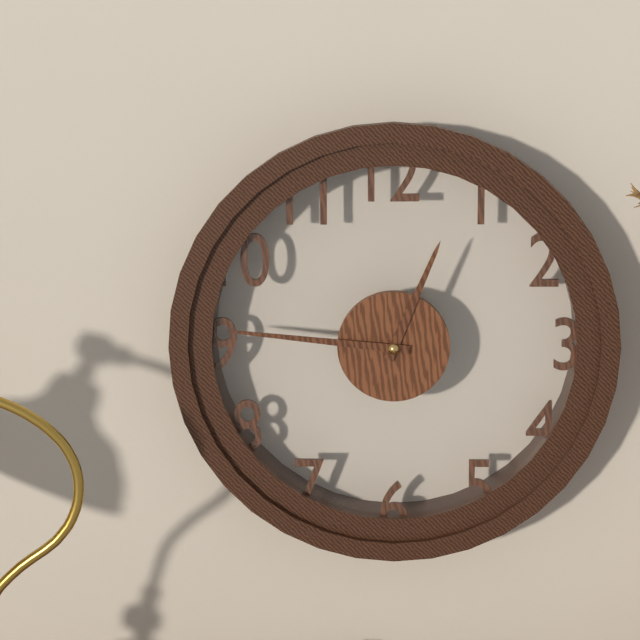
12:46
